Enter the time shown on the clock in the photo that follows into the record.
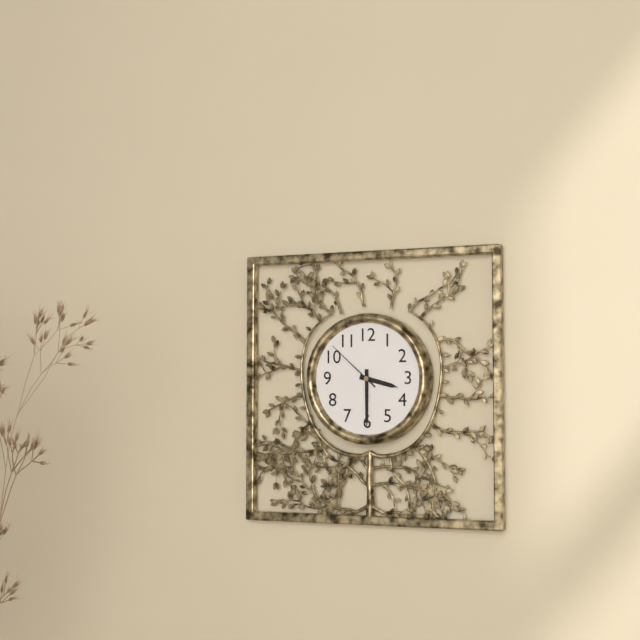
3:30:52
